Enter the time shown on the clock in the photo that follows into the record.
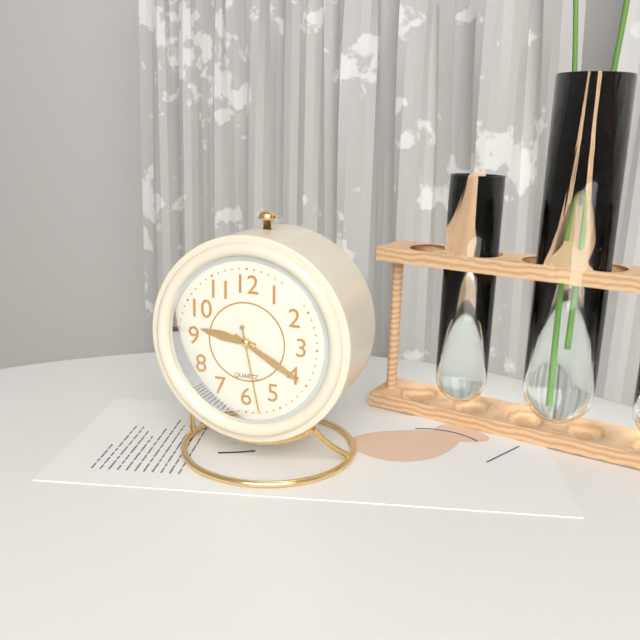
9:20:28
